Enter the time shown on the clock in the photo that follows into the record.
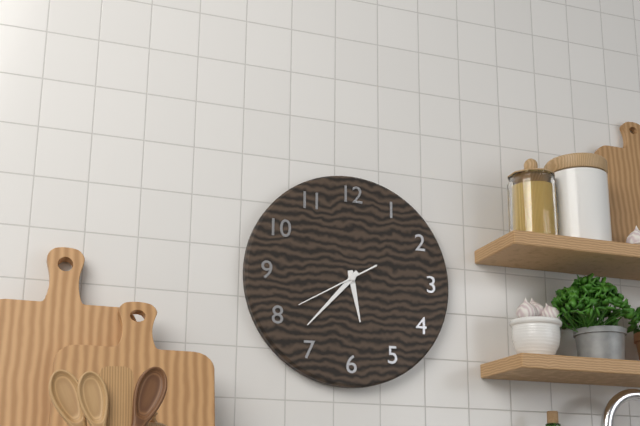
5:37:40
